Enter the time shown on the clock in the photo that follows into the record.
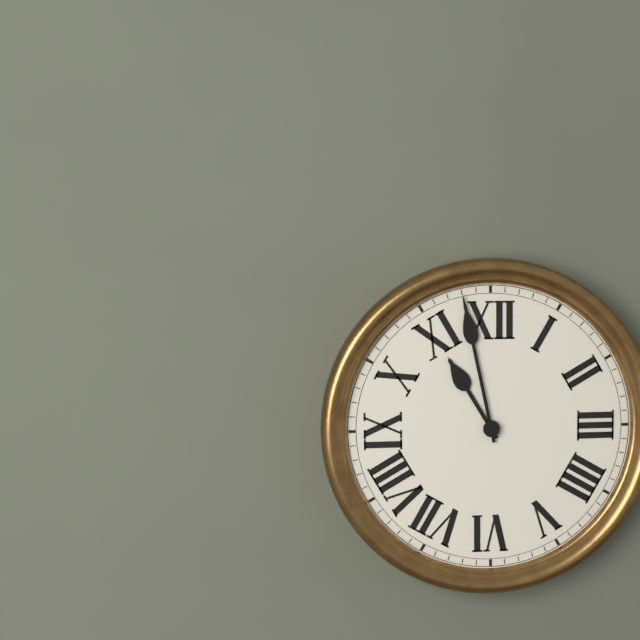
10:58
